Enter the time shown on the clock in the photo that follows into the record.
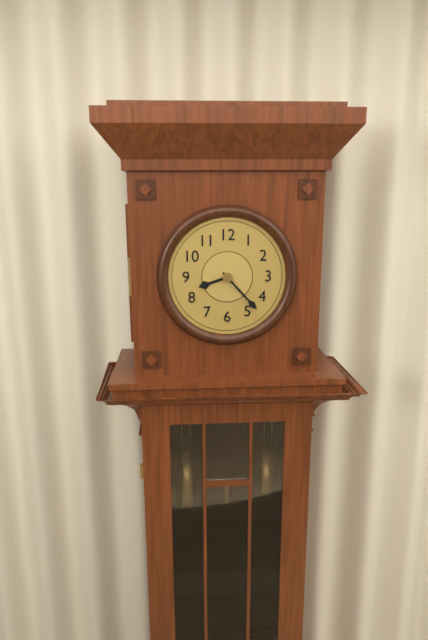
8:23
